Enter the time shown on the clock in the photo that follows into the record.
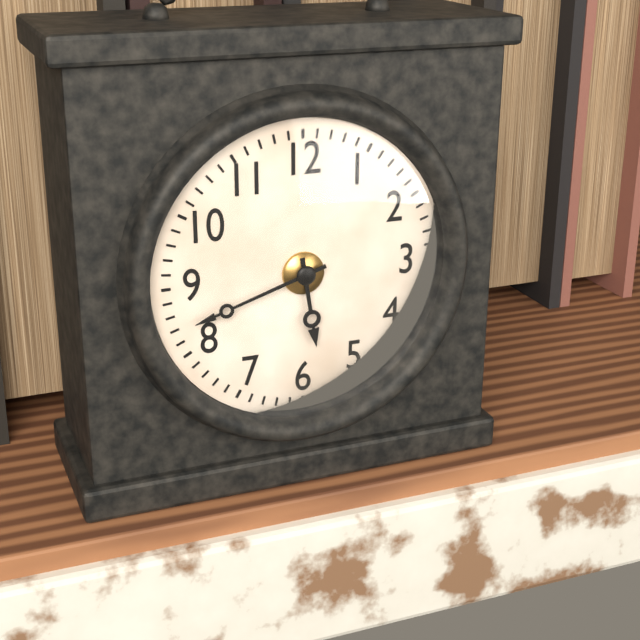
5:42
